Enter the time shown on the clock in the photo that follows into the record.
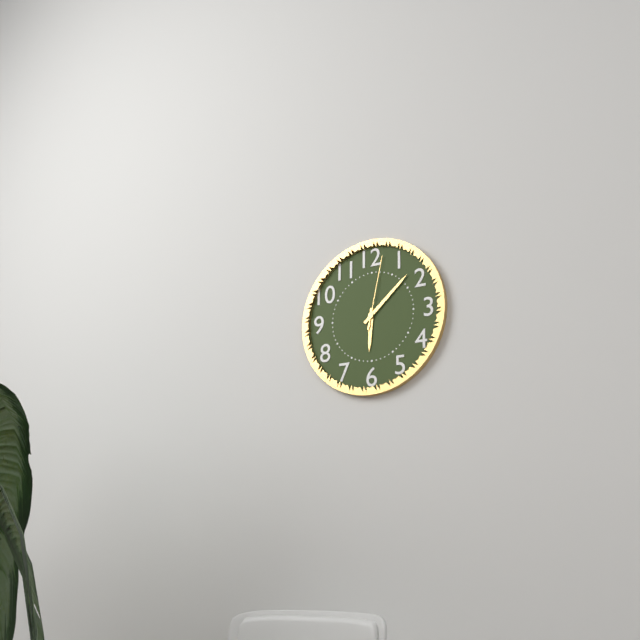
6:08:02
